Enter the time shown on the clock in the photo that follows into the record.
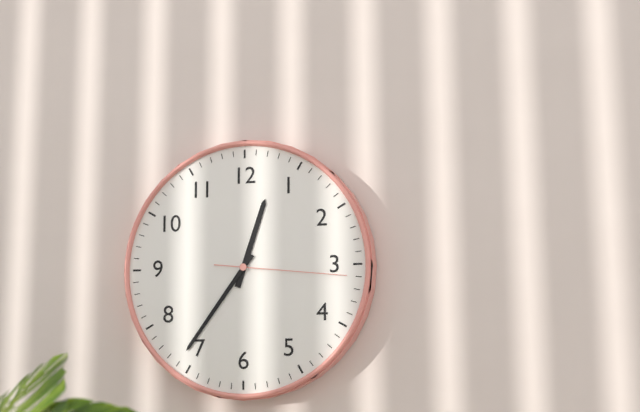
12:36:16
